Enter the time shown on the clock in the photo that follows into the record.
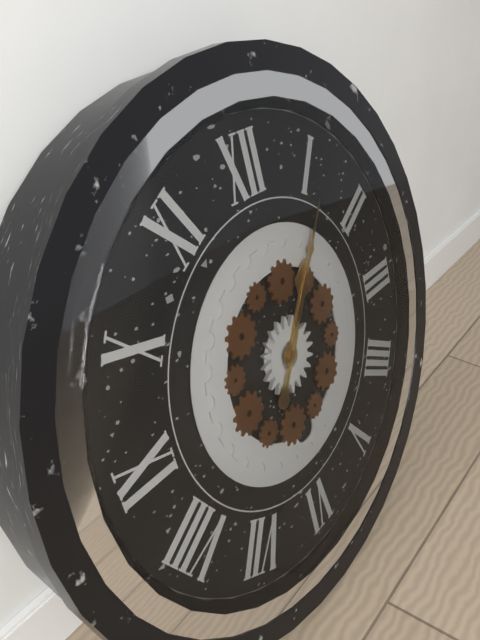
1:06
